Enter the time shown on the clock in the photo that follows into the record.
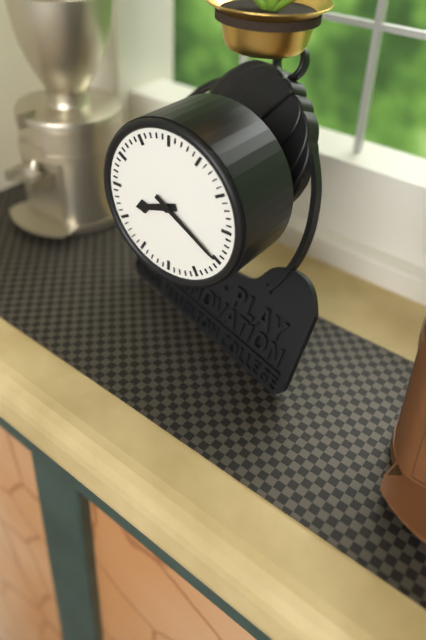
8:20
